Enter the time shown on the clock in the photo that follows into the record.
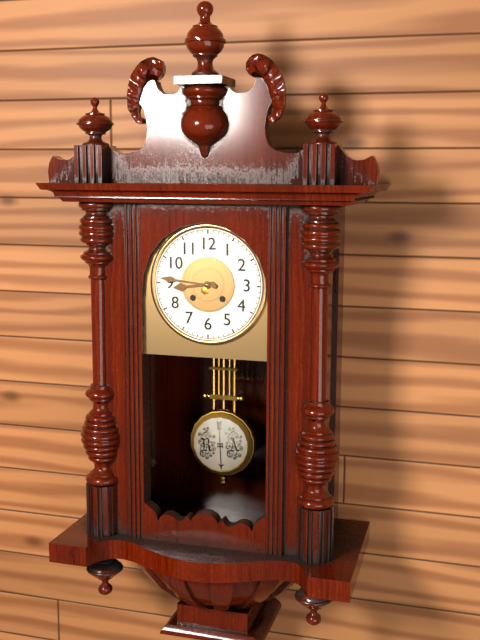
8:46
